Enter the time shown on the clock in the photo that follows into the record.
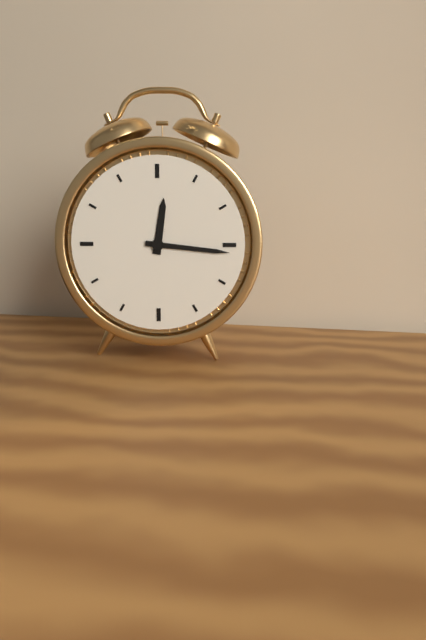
12:16
